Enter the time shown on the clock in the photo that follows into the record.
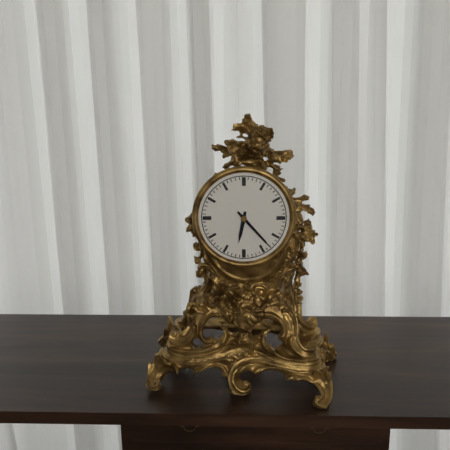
6:23
